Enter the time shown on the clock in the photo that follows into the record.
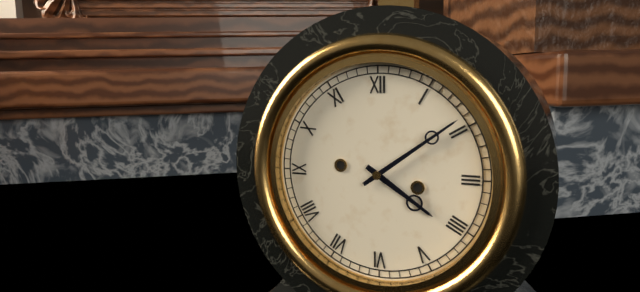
4:09
